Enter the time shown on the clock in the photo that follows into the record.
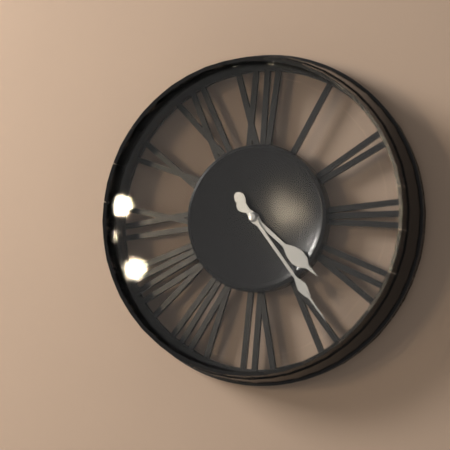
4:24
